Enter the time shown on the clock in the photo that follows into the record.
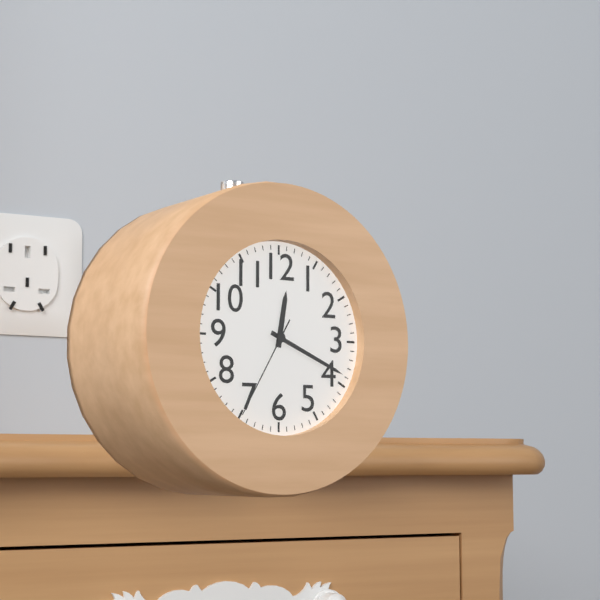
12:19:35
